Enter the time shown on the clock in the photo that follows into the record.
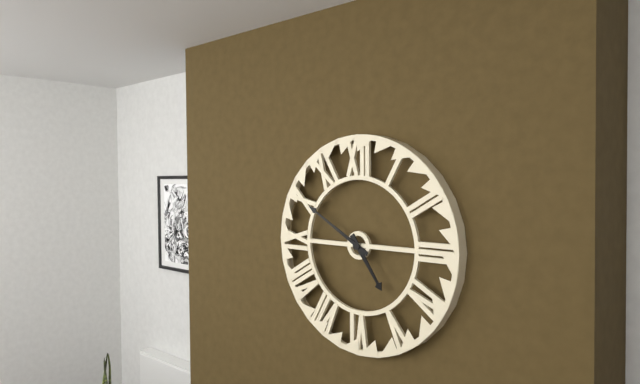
4:50
